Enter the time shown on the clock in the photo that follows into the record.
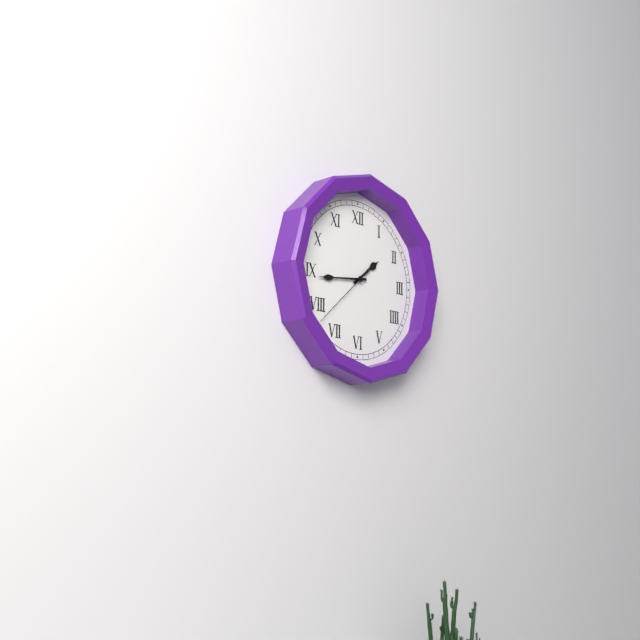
1:44:38
